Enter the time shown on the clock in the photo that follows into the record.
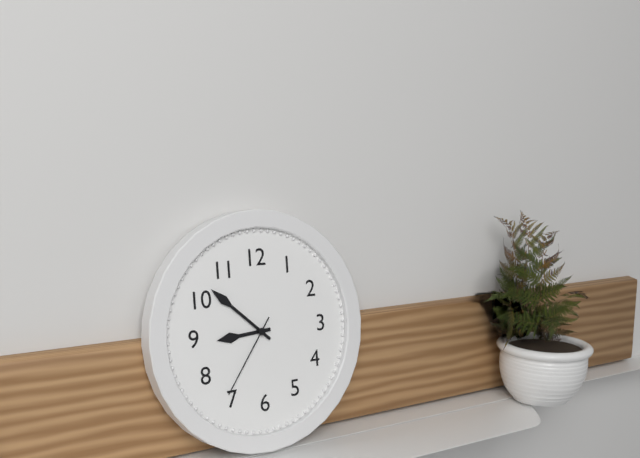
8:52:36
